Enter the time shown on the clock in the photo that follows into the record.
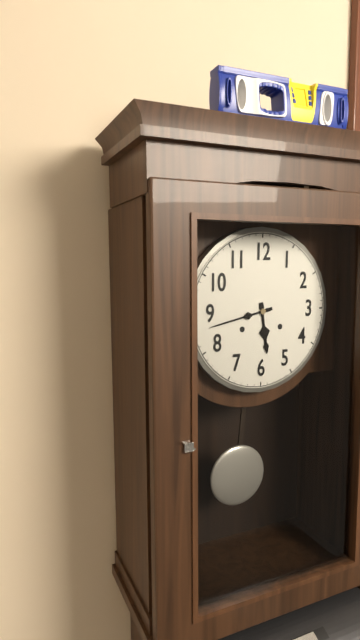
5:43
